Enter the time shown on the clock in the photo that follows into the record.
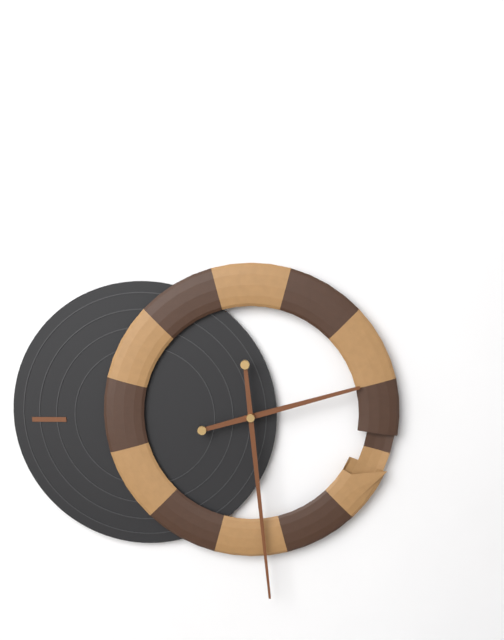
2:29
